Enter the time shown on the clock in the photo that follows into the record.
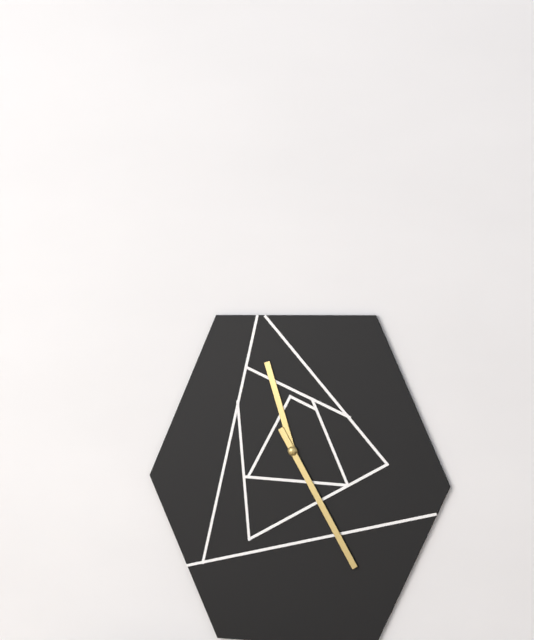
11:25
